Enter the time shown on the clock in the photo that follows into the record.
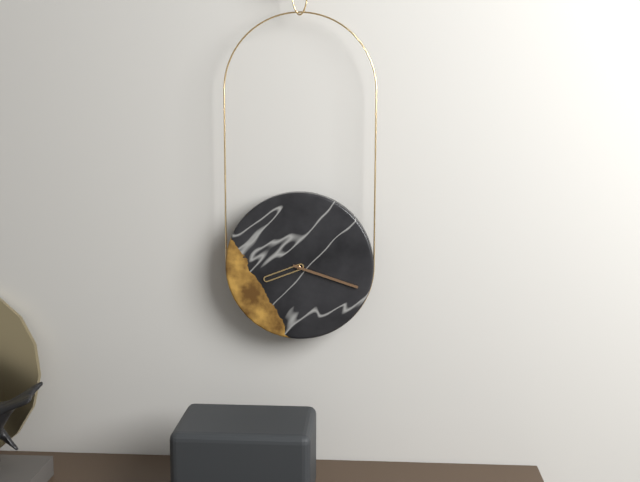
8:18
